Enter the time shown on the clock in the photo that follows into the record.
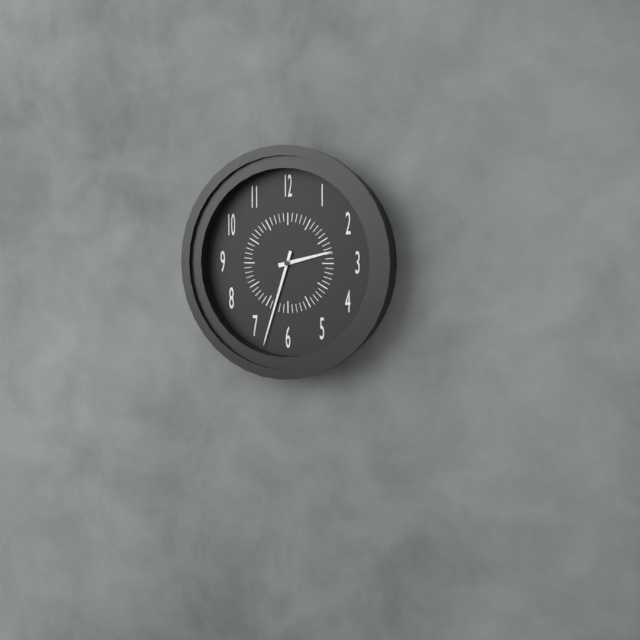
2:33
